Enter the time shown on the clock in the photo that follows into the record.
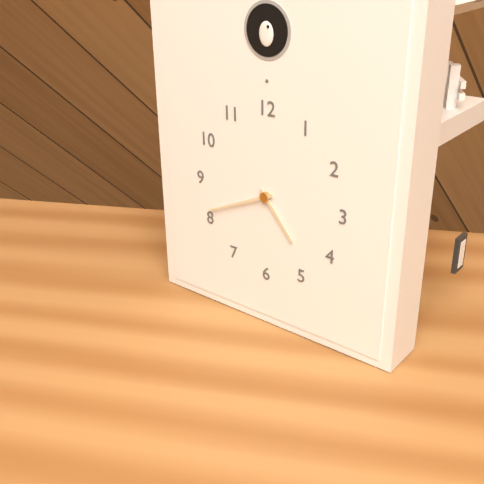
4:41
